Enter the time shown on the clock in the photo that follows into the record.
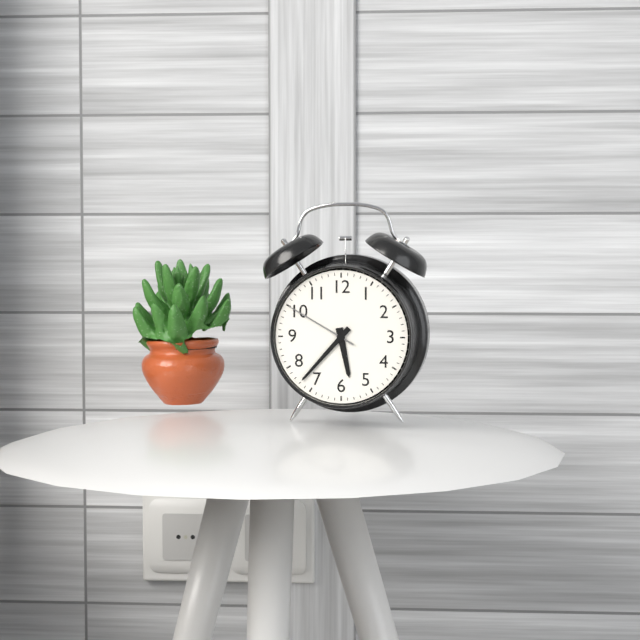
5:37:50
